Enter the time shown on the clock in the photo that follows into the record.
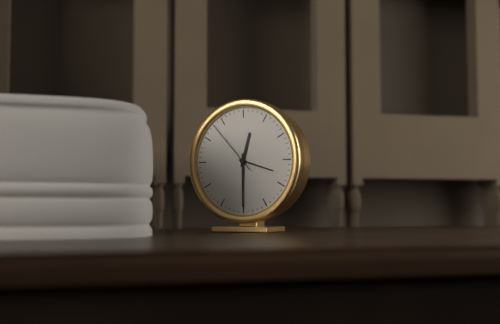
12:30:53
